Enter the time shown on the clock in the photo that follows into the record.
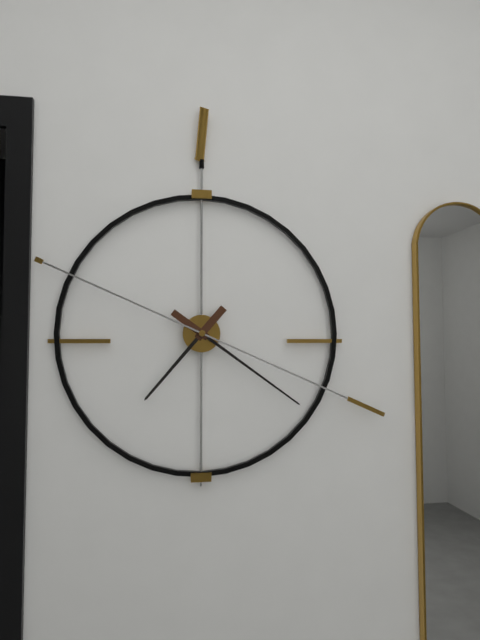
7:21:19
